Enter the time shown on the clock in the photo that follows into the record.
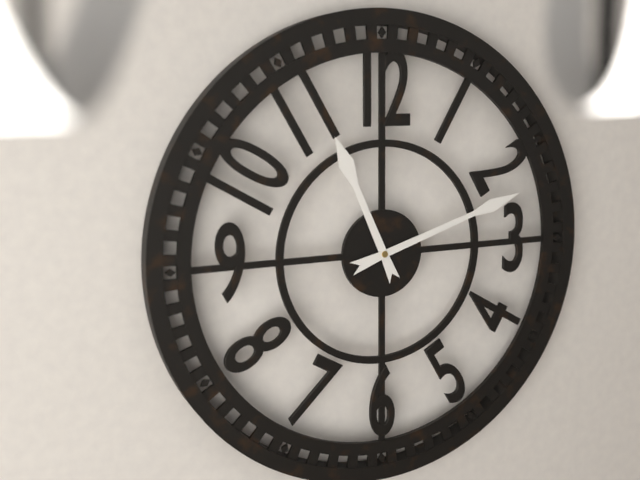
11:12
